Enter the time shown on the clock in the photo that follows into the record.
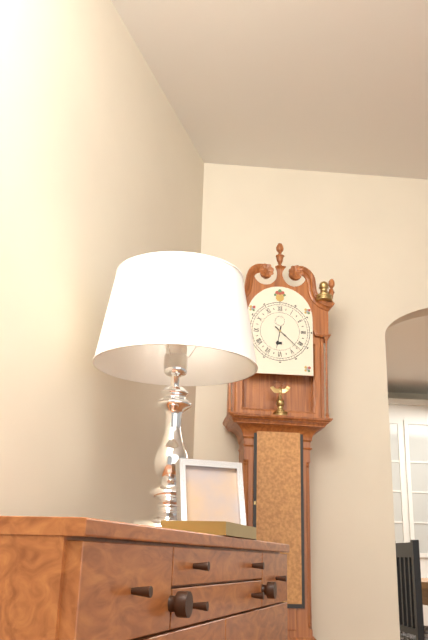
6:22
